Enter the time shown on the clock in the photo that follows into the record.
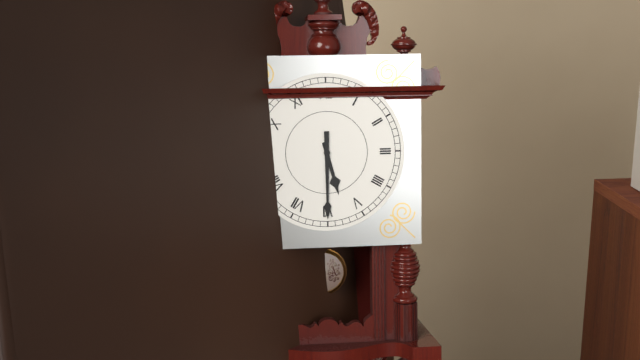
5:30
